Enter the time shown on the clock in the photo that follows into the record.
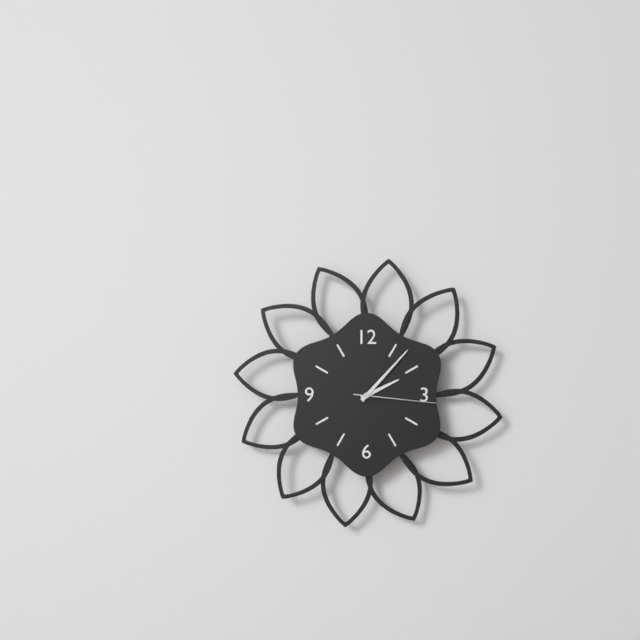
2:07:16
